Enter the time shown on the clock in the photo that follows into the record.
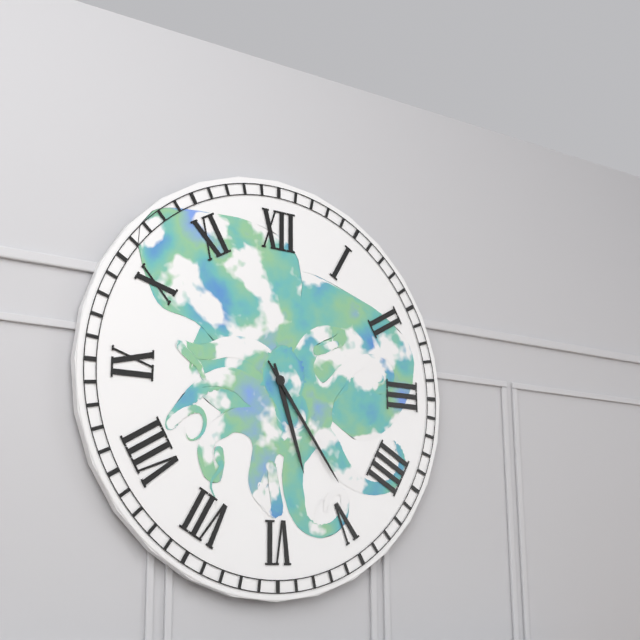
5:24
